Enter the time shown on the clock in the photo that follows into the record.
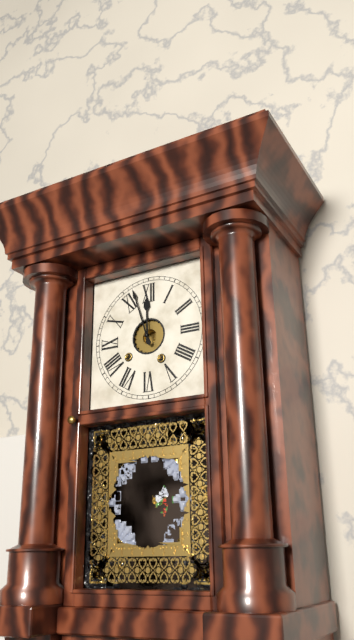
11:57
